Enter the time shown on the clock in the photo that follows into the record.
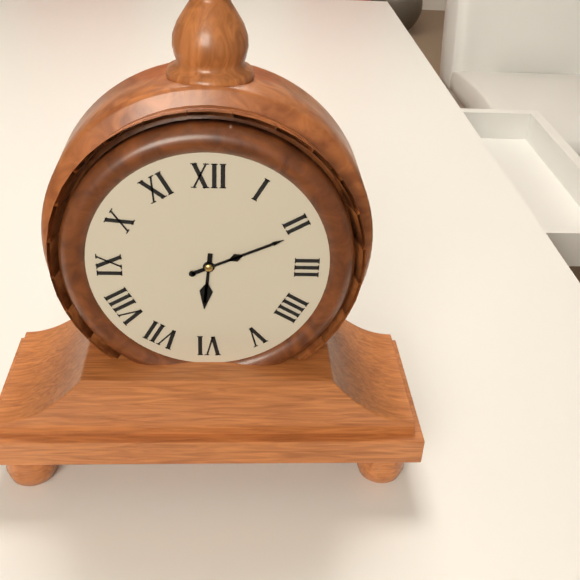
6:11
